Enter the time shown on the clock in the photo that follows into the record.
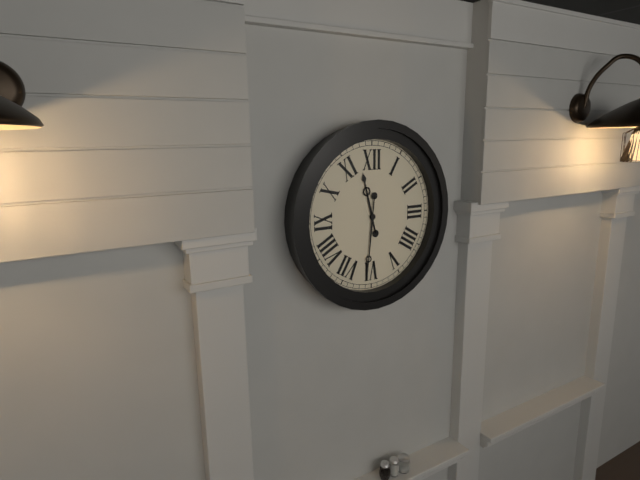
11:31
